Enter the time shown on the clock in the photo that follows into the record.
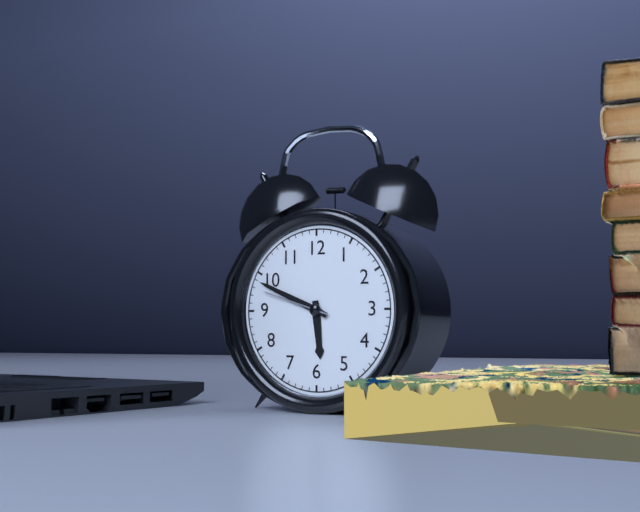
5:49:48
